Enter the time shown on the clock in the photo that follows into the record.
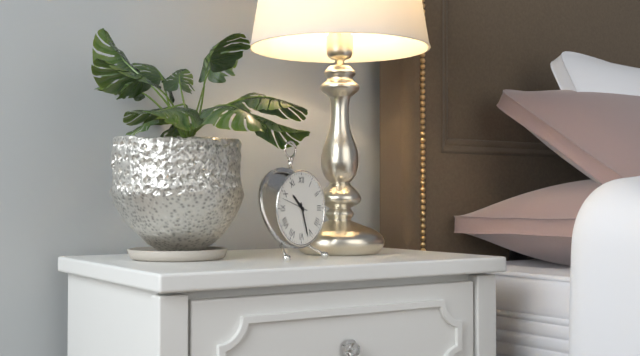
10:27
